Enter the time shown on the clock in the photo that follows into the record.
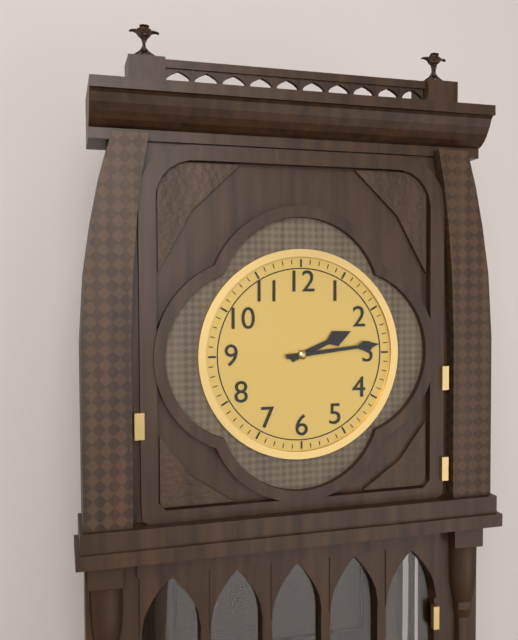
2:14
